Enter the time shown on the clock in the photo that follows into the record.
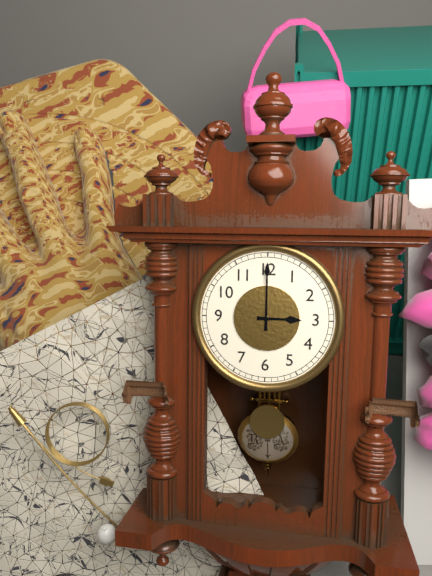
3:00
